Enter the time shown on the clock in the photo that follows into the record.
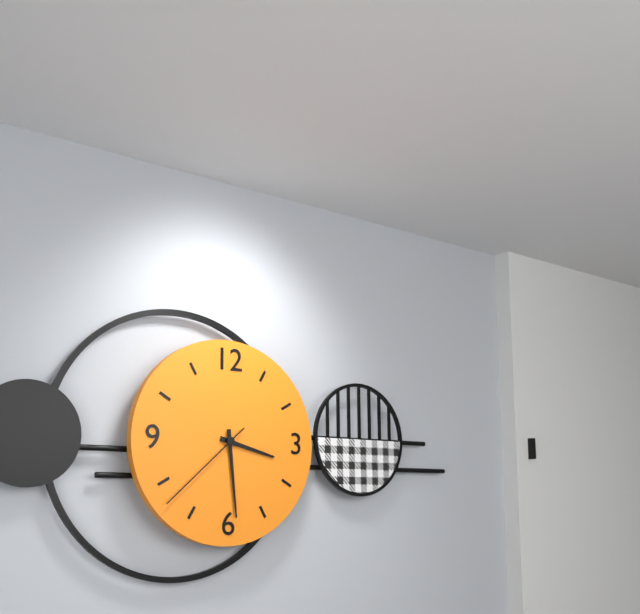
3:29:38
